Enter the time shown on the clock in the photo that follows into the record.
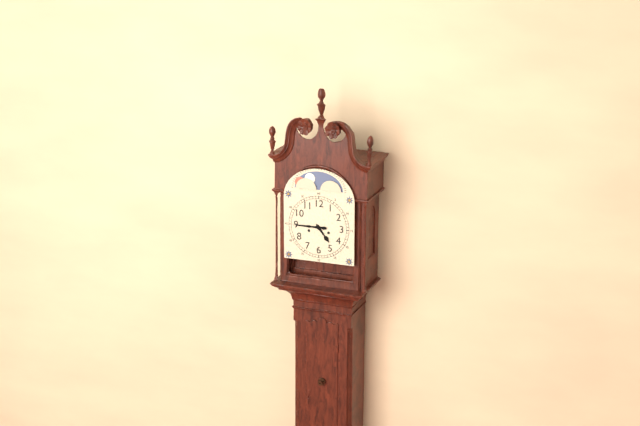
4:45
